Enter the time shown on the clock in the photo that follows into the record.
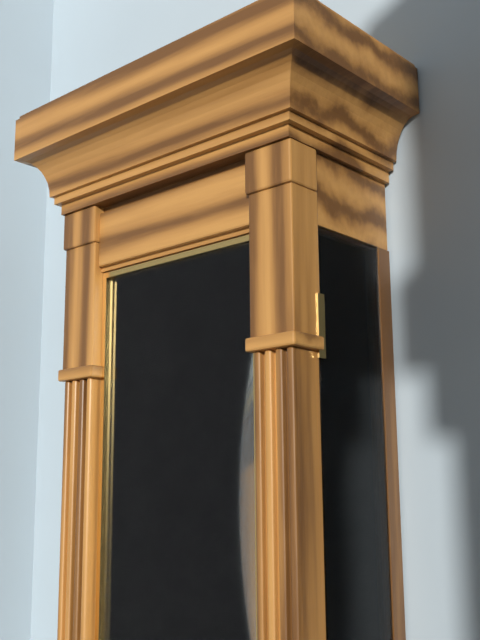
10:23
